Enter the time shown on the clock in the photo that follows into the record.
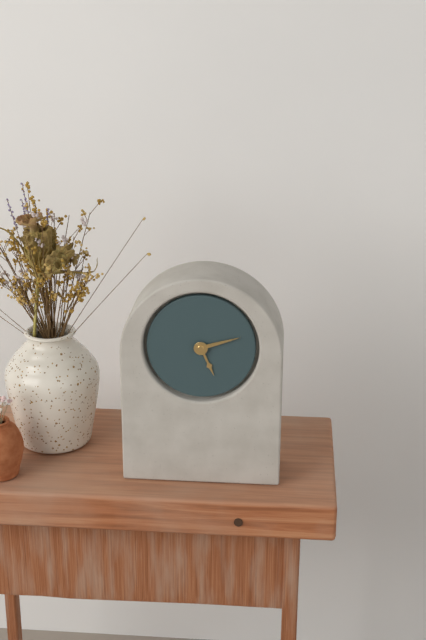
5:12
